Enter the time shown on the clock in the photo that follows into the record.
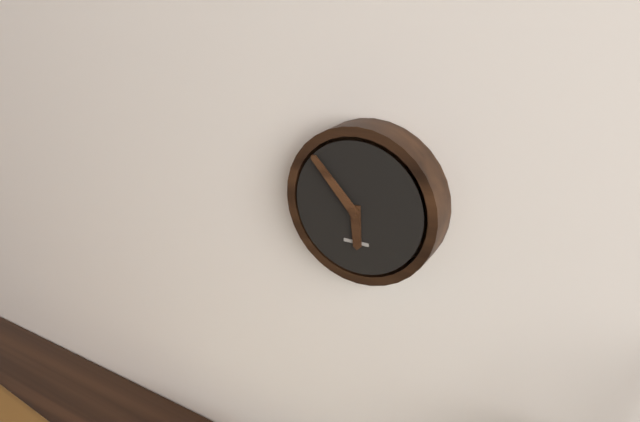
5:53
